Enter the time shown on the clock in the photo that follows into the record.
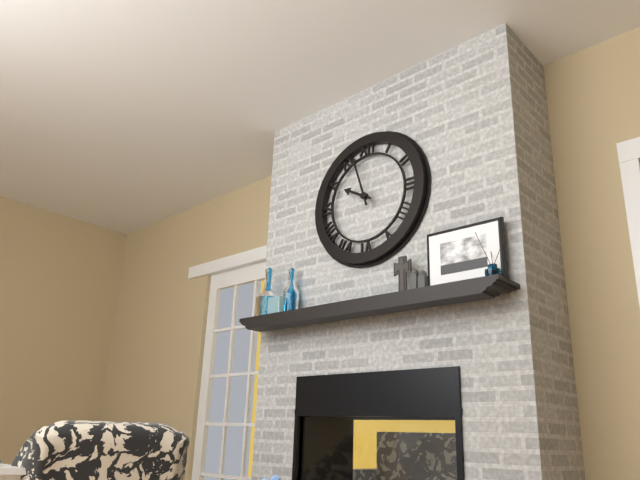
9:57
